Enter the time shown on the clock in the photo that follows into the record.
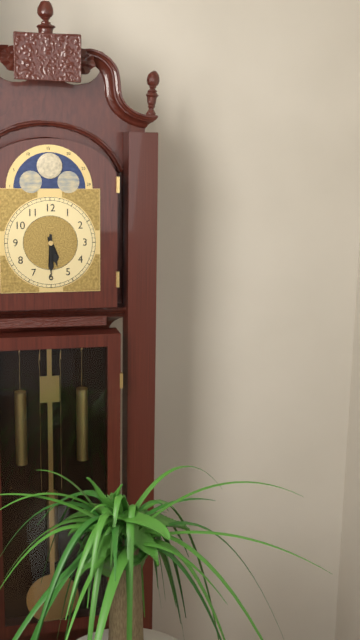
5:30
